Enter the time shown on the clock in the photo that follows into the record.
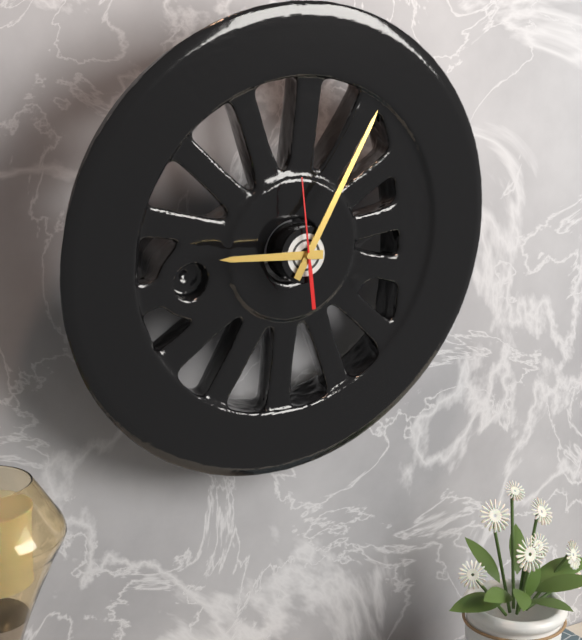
9:05:59
